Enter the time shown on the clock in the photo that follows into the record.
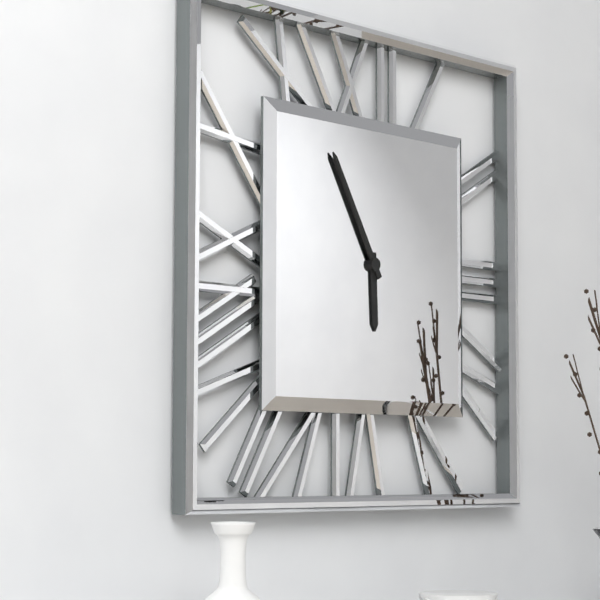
5:55
